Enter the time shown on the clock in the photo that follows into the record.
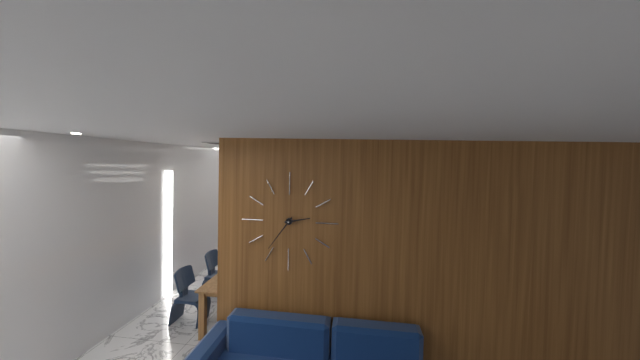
2:36
